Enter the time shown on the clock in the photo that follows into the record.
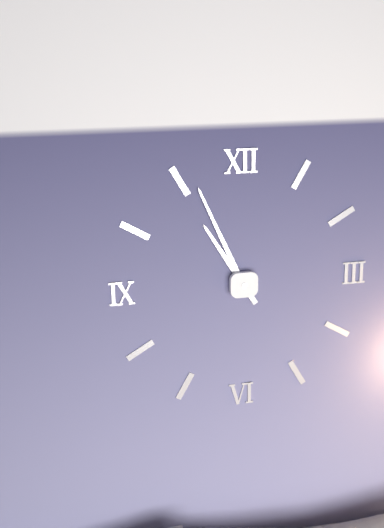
10:56
